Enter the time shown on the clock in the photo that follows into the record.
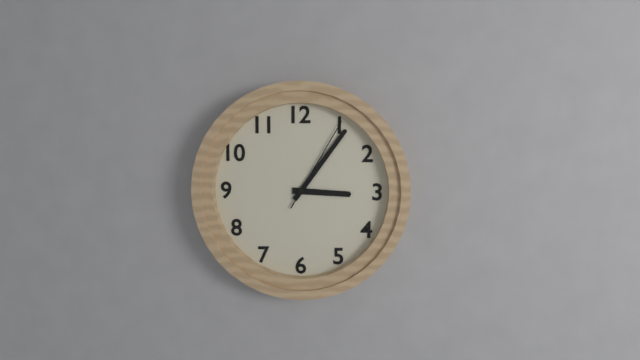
3:06:05
